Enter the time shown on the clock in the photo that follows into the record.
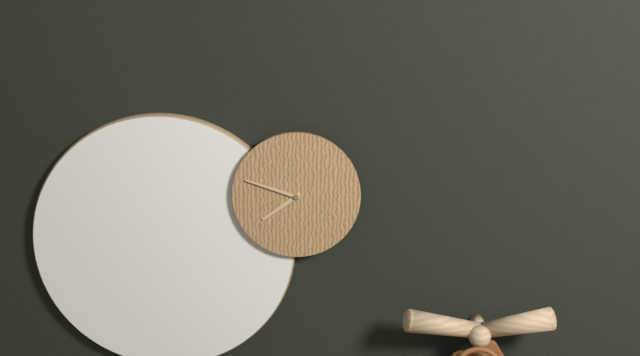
7:48
